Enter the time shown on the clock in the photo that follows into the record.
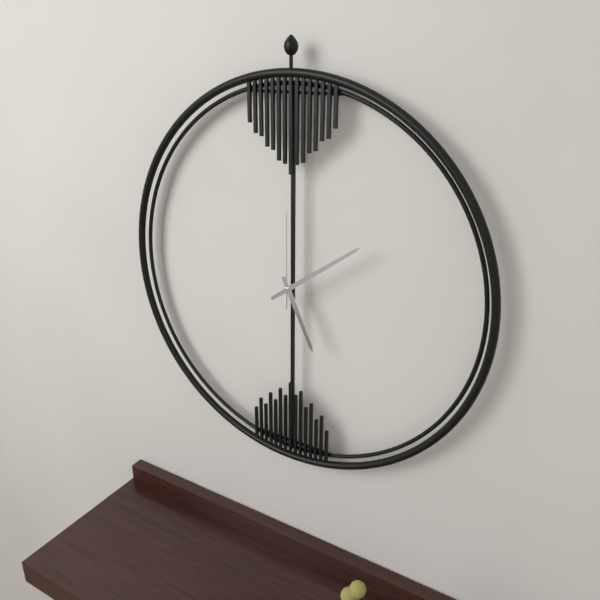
5:09:00
